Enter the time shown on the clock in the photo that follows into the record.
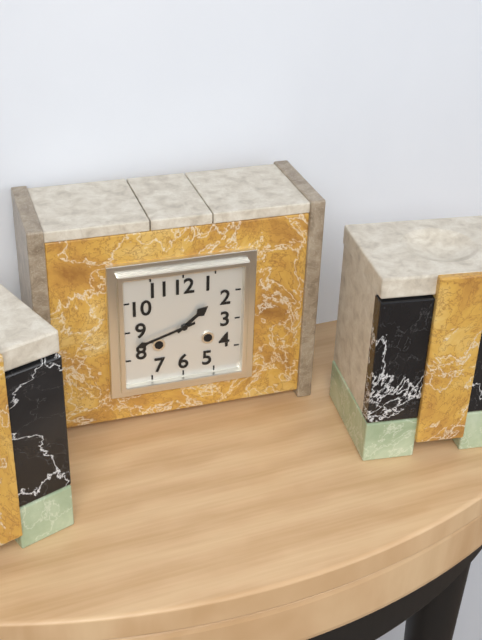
1:42
